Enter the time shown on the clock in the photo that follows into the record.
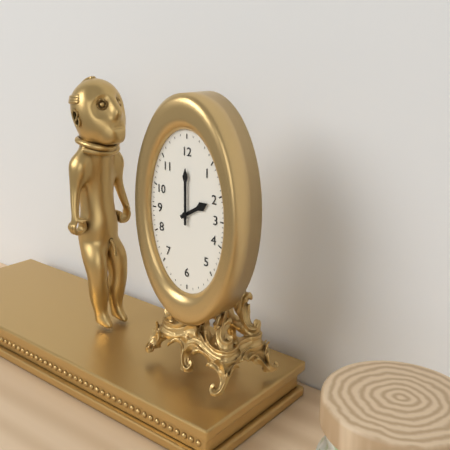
2:00
